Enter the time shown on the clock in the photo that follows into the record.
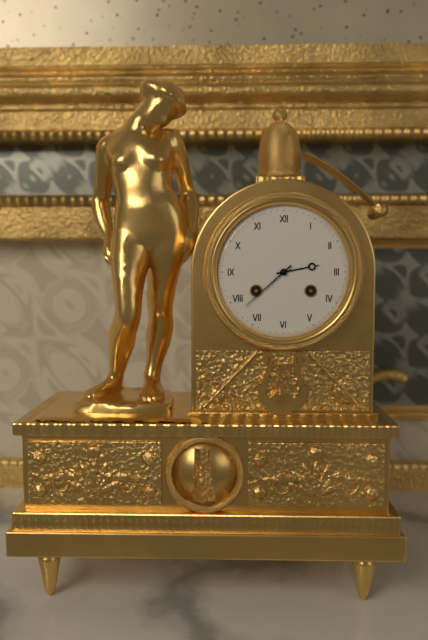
2:38
